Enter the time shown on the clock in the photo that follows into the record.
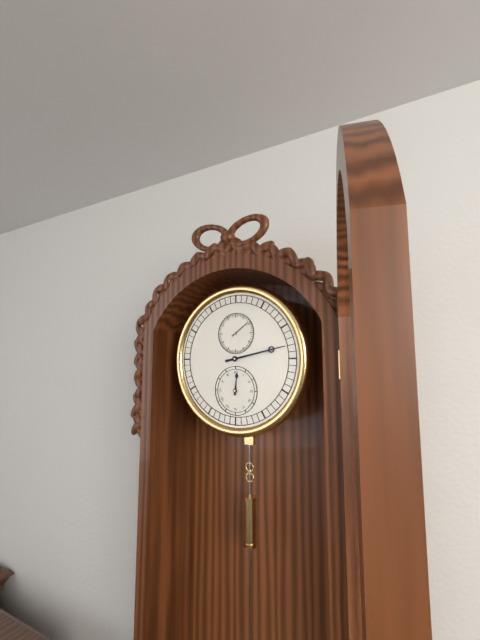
12:13
